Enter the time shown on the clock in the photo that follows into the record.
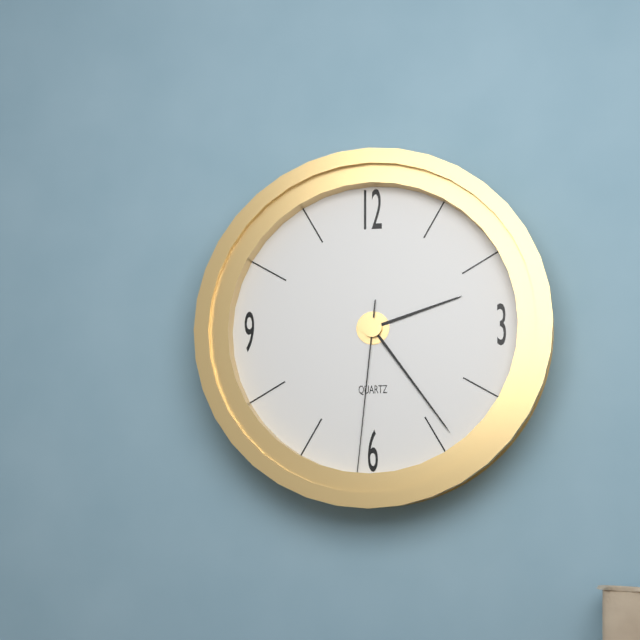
2:24:31
